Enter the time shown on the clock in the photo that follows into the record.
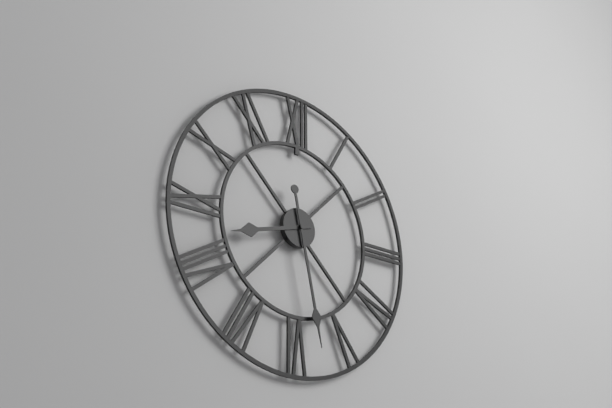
8:28
